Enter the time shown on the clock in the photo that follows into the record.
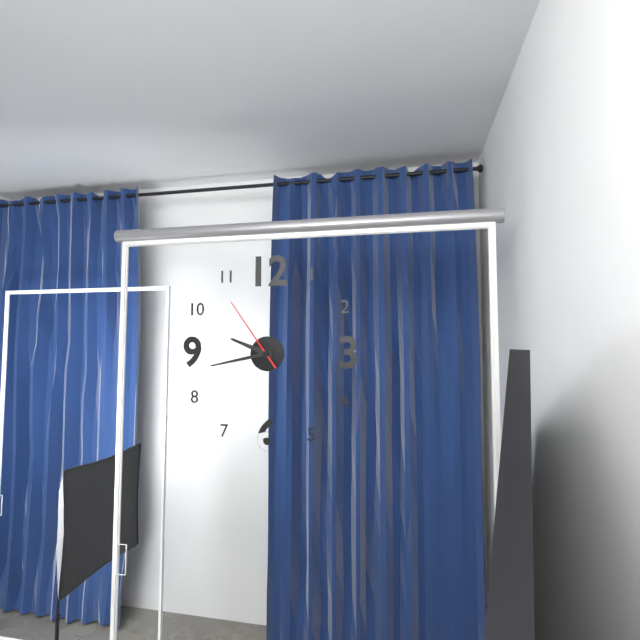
9:43:54
